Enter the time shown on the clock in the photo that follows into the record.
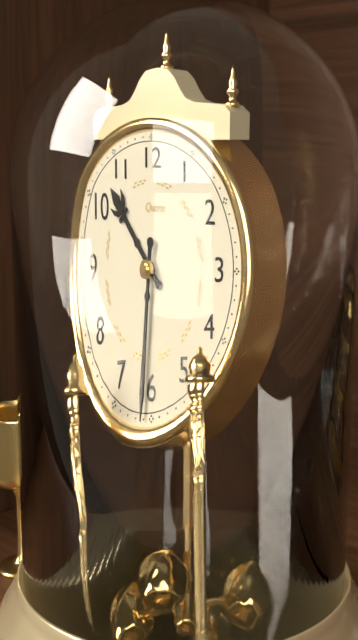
10:31
